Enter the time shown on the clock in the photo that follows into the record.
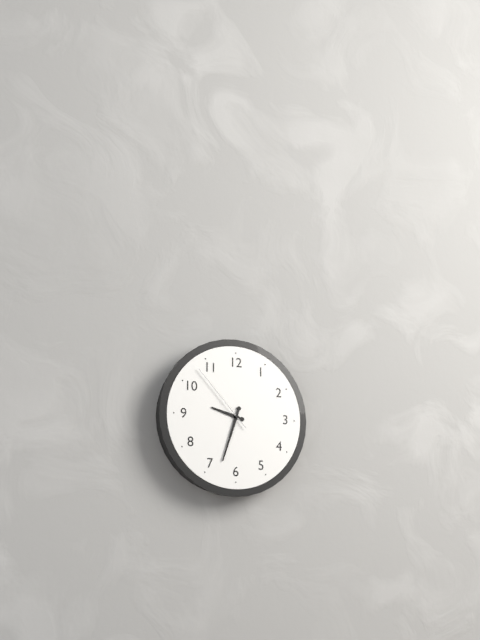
9:33:53
